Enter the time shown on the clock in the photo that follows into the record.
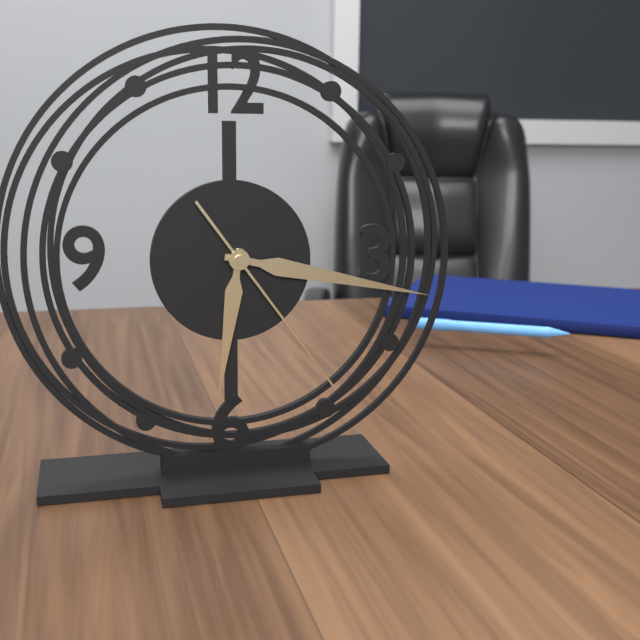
6:17:24
